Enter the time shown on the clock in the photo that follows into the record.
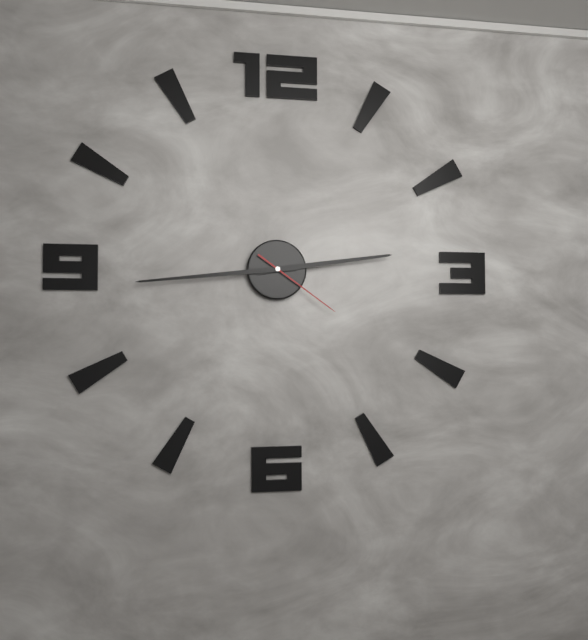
2:44:21
